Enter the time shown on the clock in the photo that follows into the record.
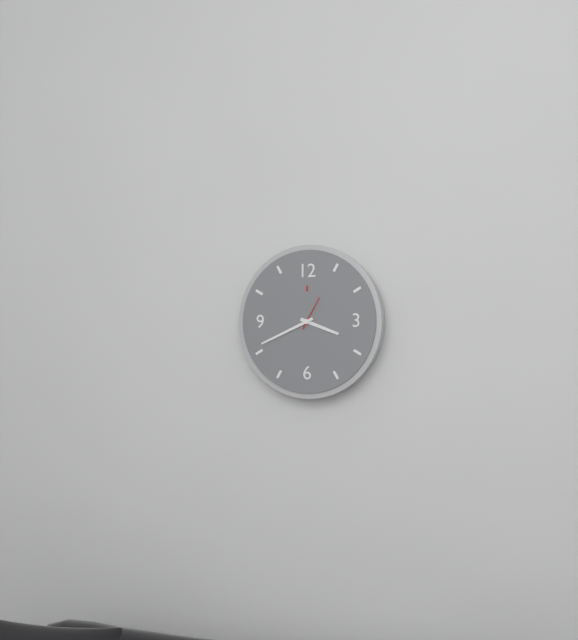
3:41
